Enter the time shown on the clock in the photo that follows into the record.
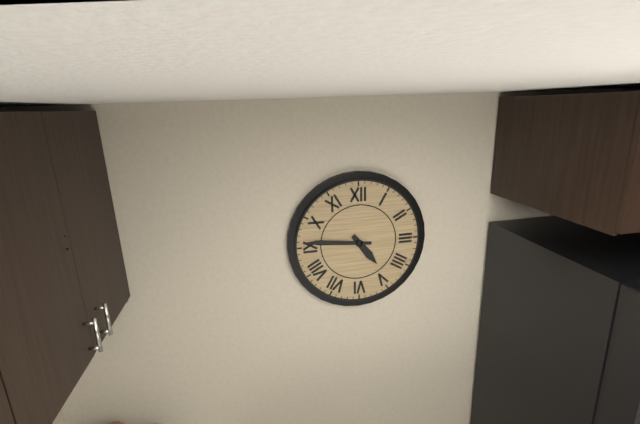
4:46
